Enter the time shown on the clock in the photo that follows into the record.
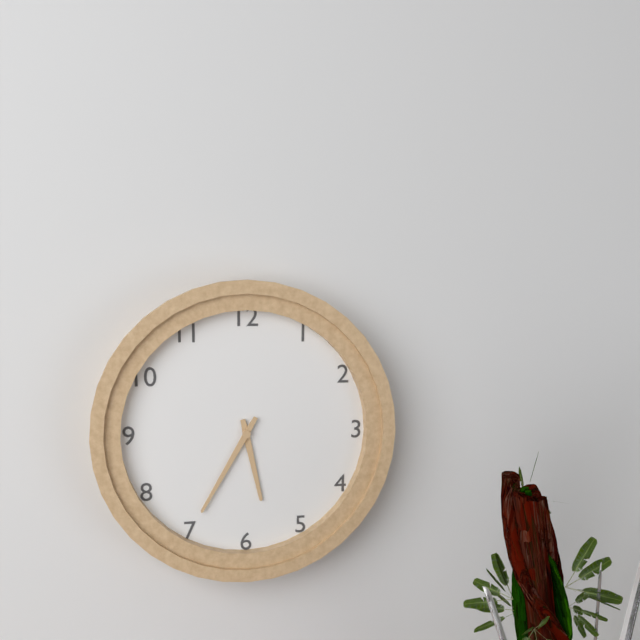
5:35
